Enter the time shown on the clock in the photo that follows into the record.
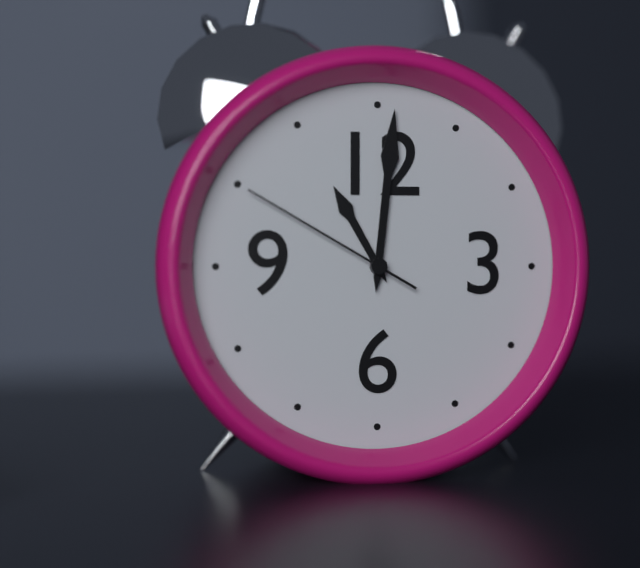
11:01:50
